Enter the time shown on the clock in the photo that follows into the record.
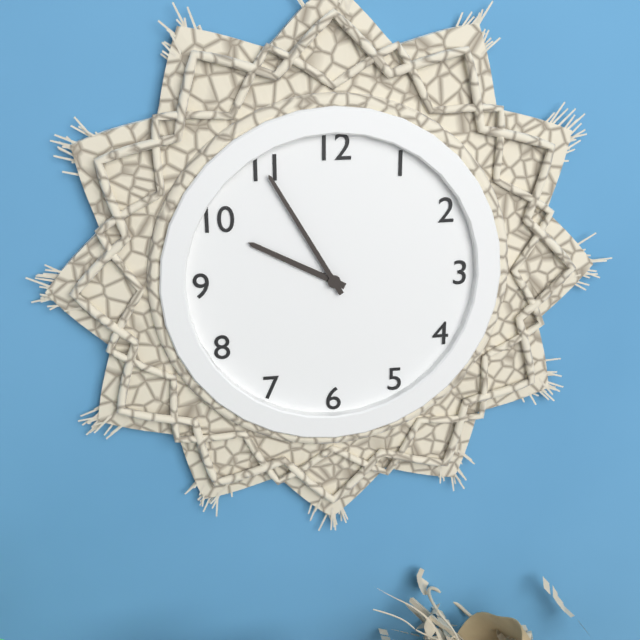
9:55
